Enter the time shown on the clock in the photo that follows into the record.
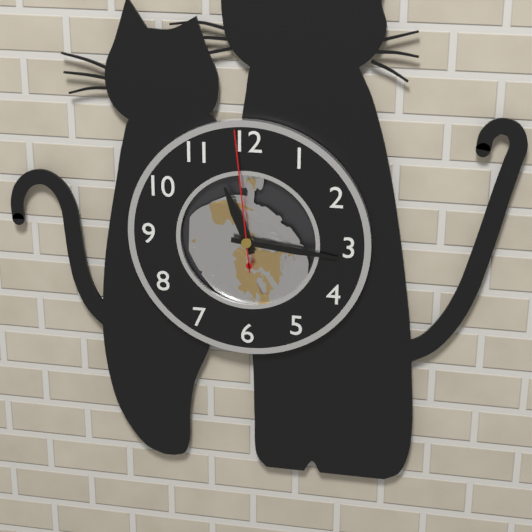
11:16:59
